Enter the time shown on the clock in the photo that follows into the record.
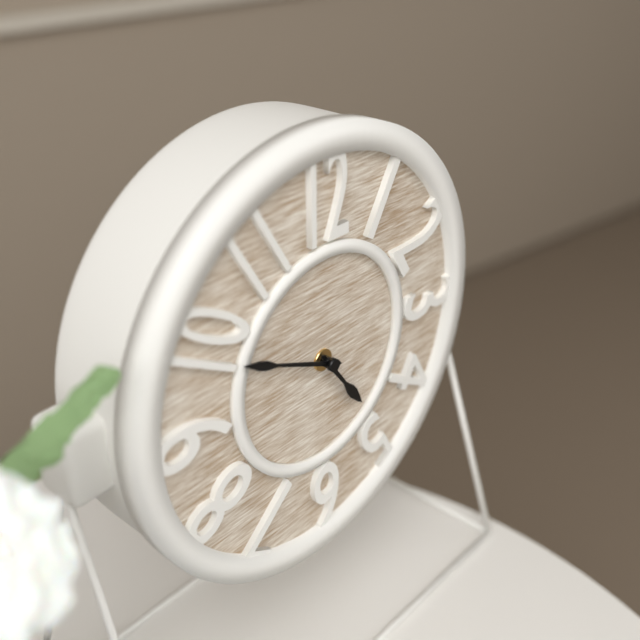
4:49
